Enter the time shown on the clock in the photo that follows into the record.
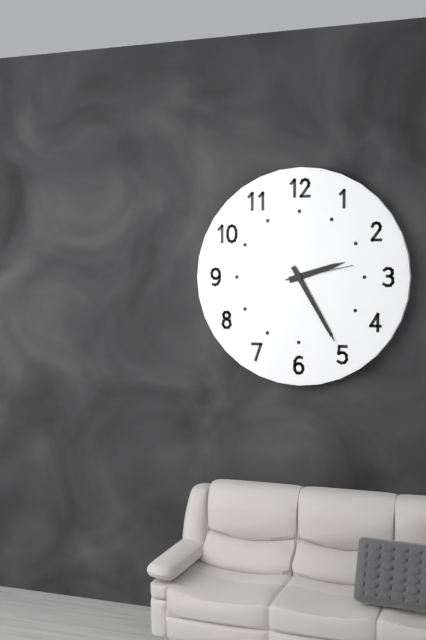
2:25:13
